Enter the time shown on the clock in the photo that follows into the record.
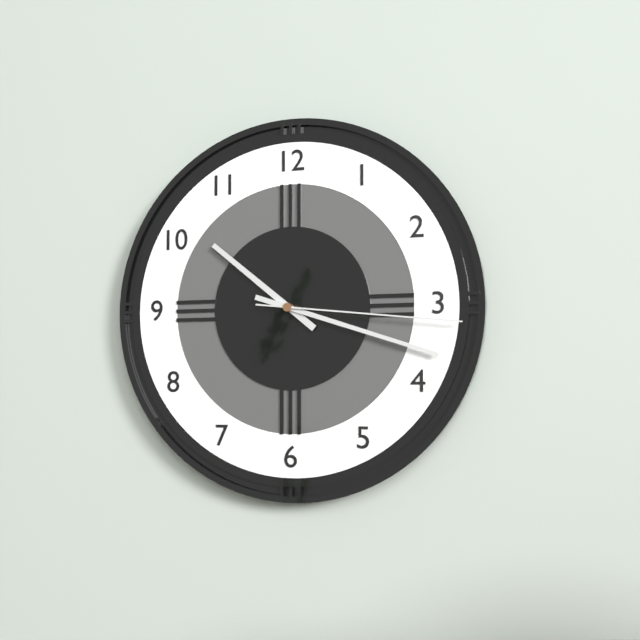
10:18:16
